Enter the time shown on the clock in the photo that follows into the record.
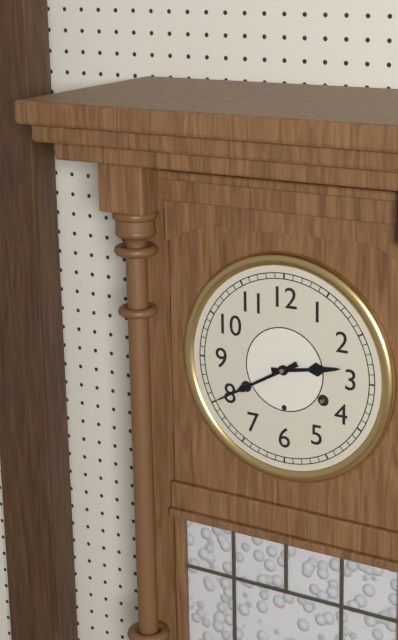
2:40
